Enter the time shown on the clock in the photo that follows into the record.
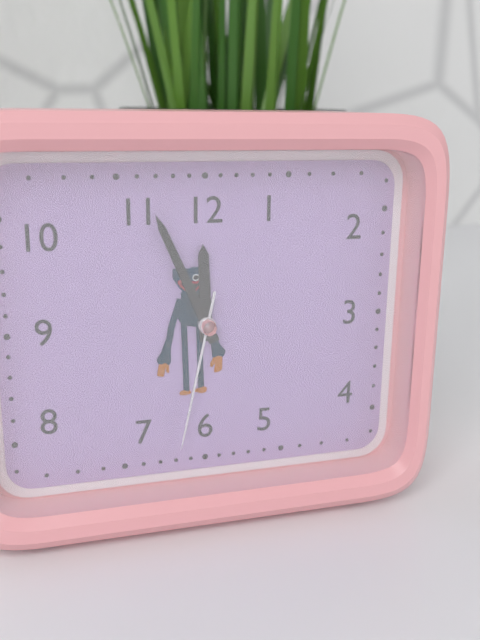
11:56:32
